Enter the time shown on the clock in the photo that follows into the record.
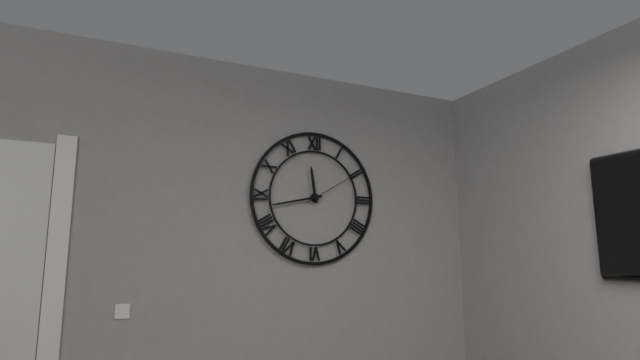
11:43:10
